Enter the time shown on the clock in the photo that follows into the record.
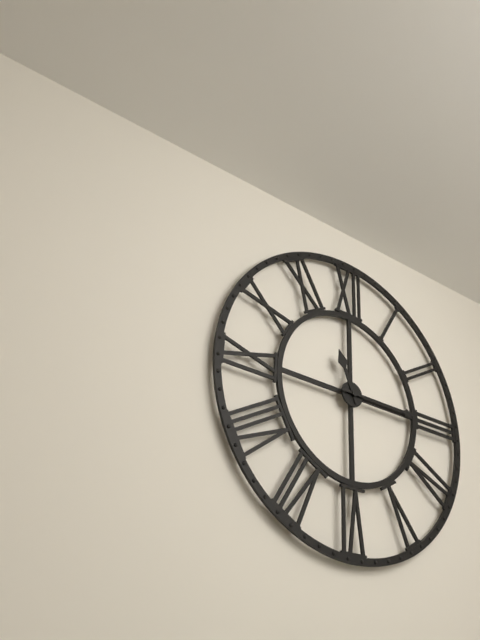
11:15
